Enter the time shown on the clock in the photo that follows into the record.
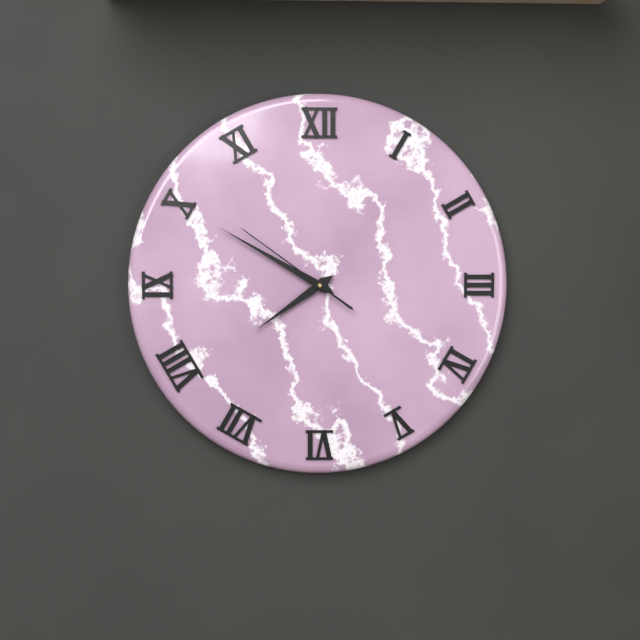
7:50:51
